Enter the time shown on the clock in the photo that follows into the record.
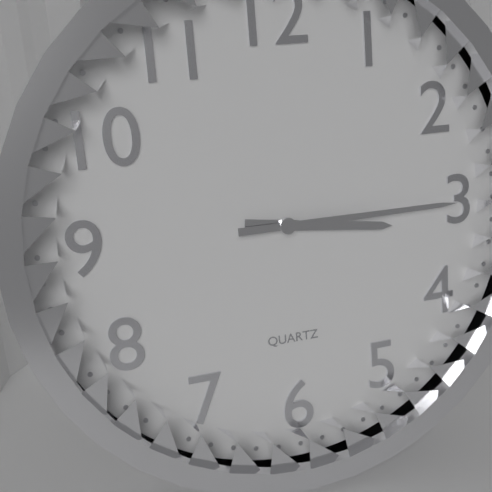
3:15
